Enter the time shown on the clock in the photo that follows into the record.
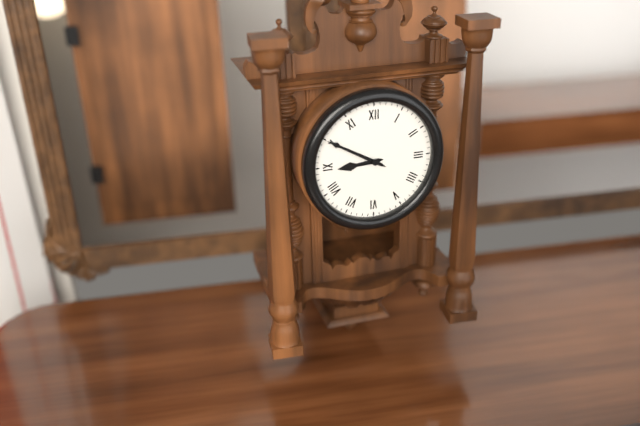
8:50
